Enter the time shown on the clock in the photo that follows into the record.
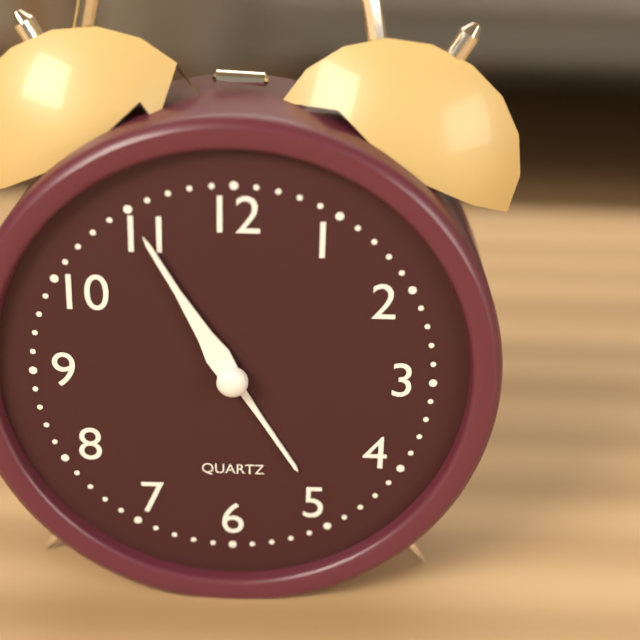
4:55
